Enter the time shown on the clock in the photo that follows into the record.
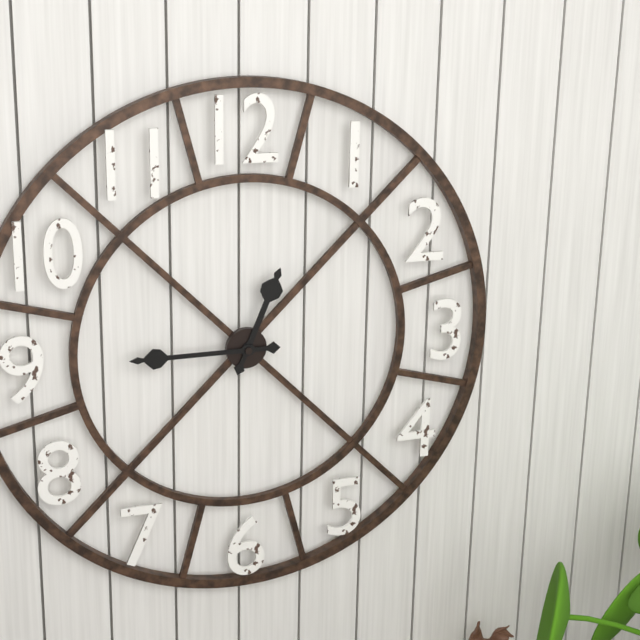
12:45
